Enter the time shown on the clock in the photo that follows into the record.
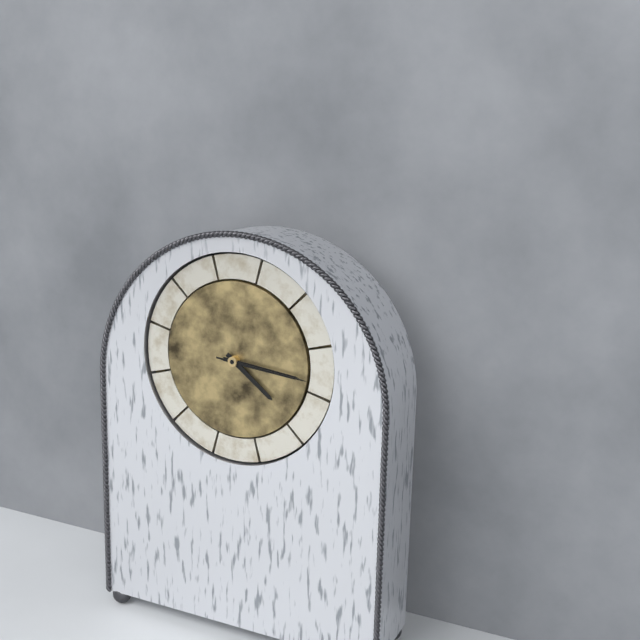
4:16:16
